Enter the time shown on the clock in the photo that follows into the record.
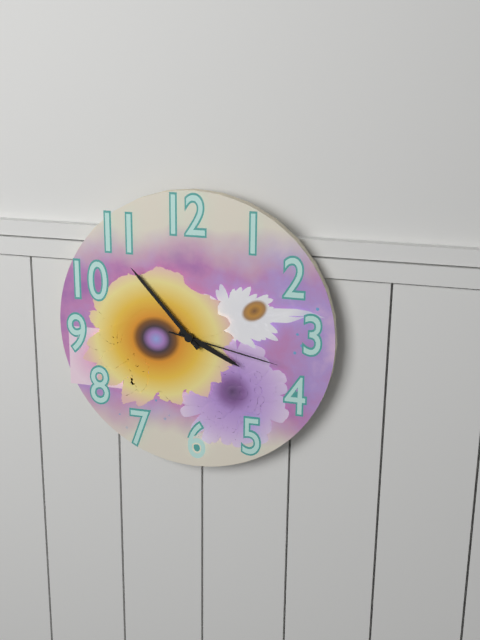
3:53:17
